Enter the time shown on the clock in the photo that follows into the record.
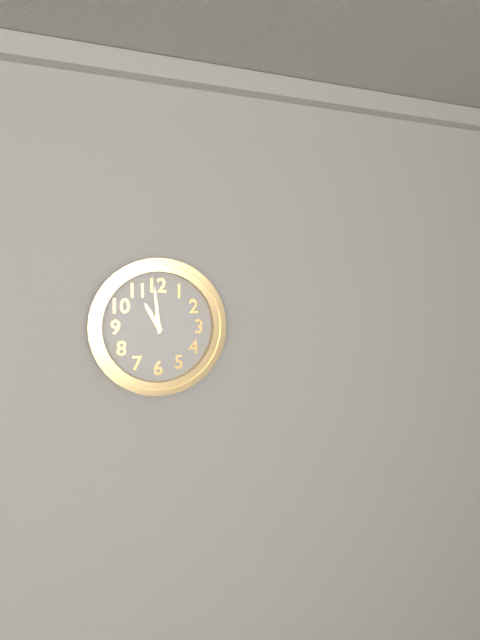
10:59
